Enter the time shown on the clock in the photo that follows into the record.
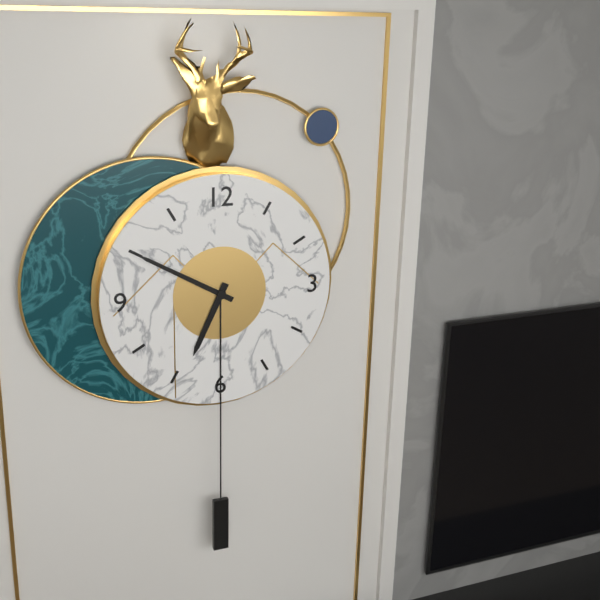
6:50
